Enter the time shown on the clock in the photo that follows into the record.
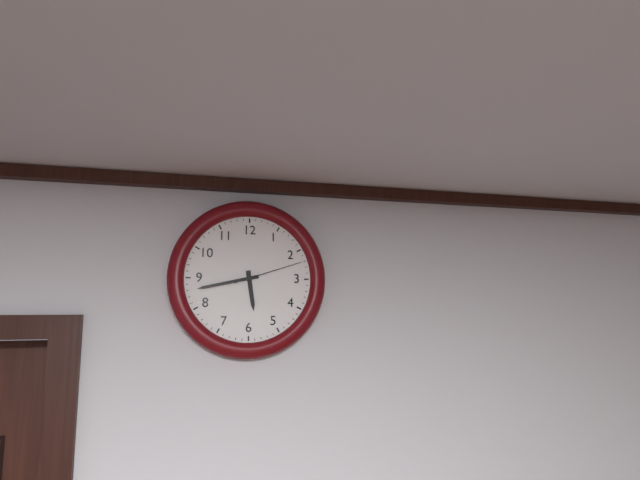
5:43:12
